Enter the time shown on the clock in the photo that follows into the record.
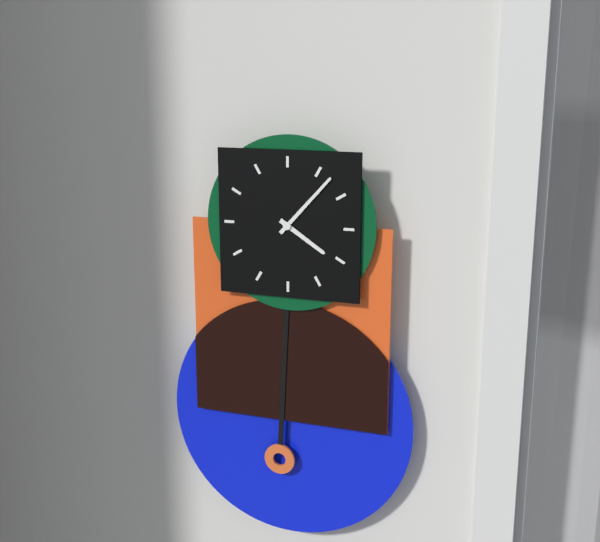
4:07
